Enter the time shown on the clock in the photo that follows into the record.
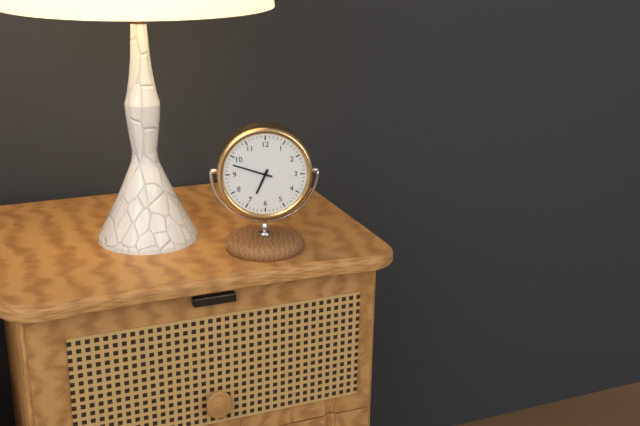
6:48
